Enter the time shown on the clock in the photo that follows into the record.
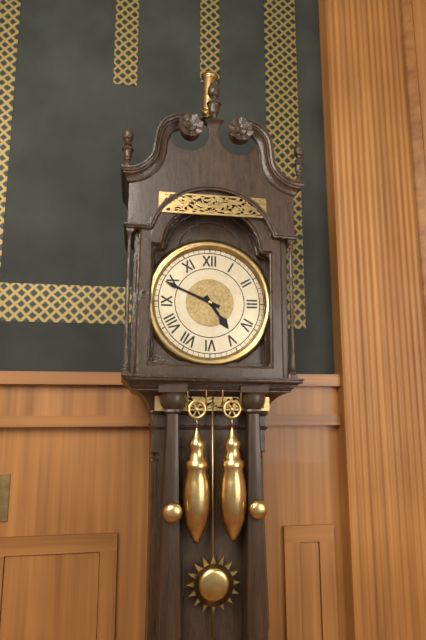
4:49
